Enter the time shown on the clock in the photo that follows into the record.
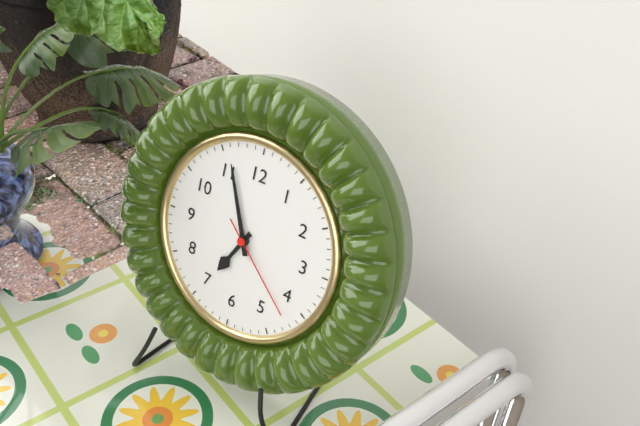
6:56:22
